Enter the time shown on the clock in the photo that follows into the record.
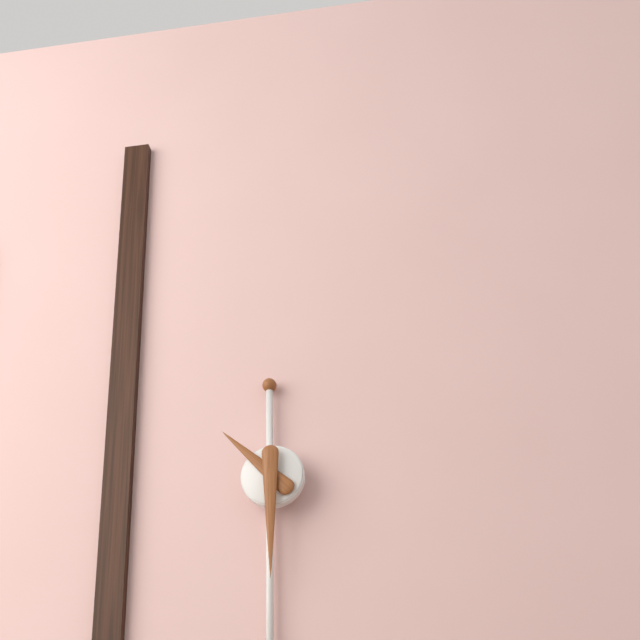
10:30
